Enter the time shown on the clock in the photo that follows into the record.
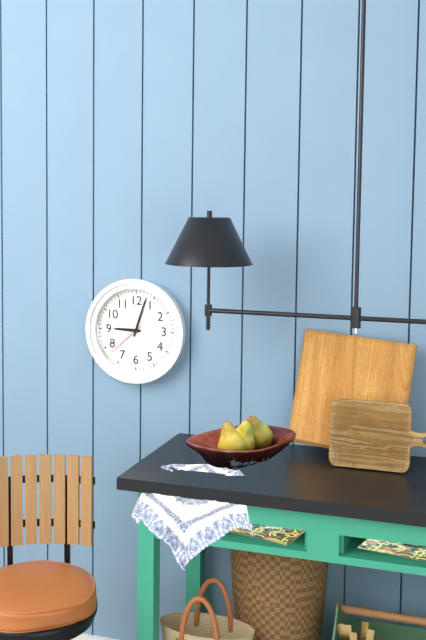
9:03
